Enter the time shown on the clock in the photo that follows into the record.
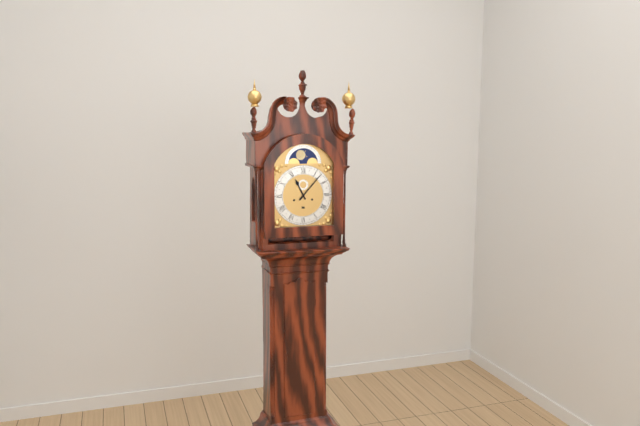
11:07
